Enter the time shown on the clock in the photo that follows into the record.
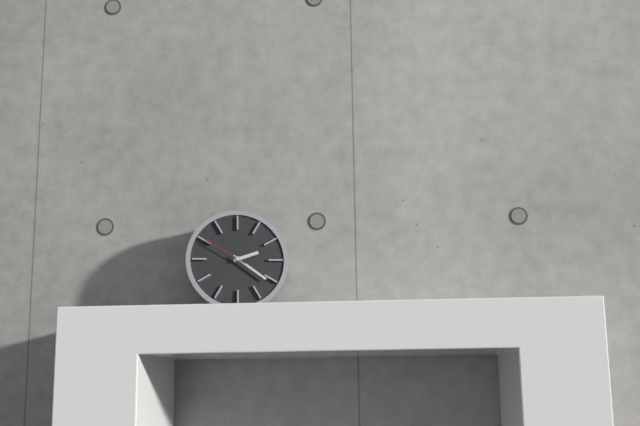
2:21
